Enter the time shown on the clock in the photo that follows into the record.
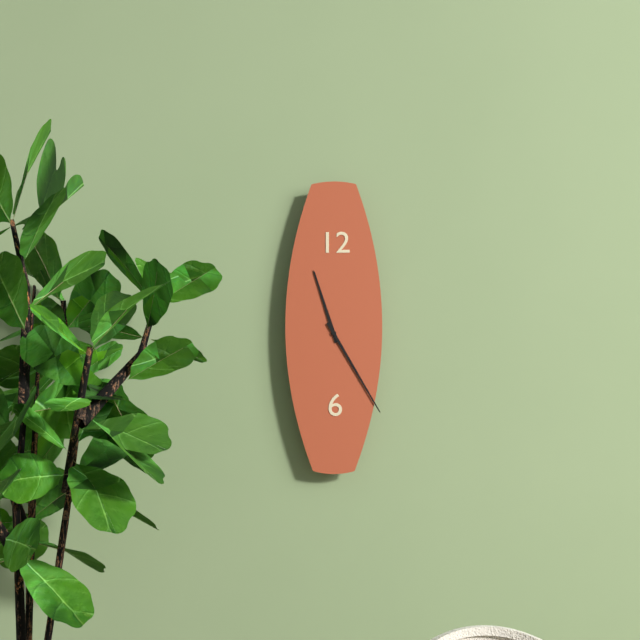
11:25
